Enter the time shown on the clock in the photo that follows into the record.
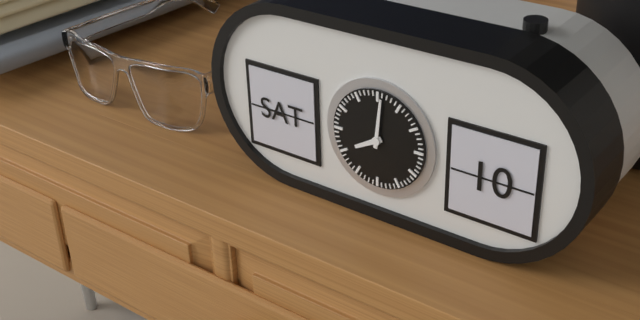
8:01
